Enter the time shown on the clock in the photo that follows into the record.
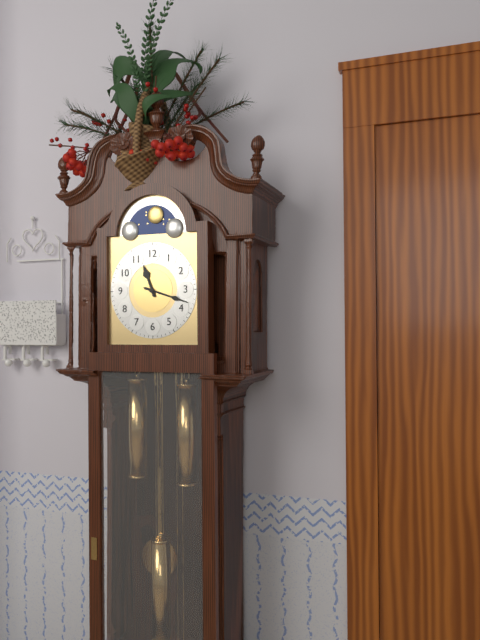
11:18
